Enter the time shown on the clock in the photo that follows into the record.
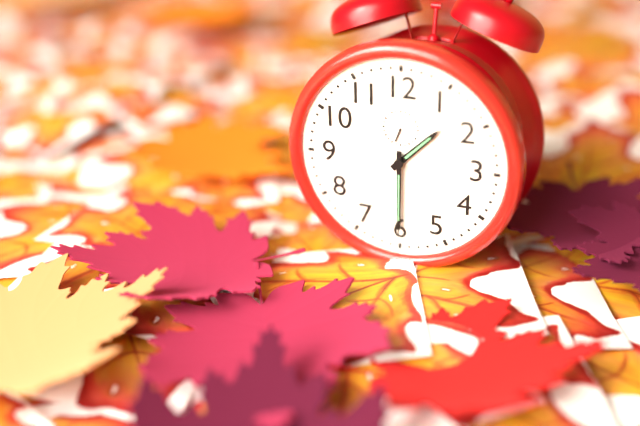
1:30
